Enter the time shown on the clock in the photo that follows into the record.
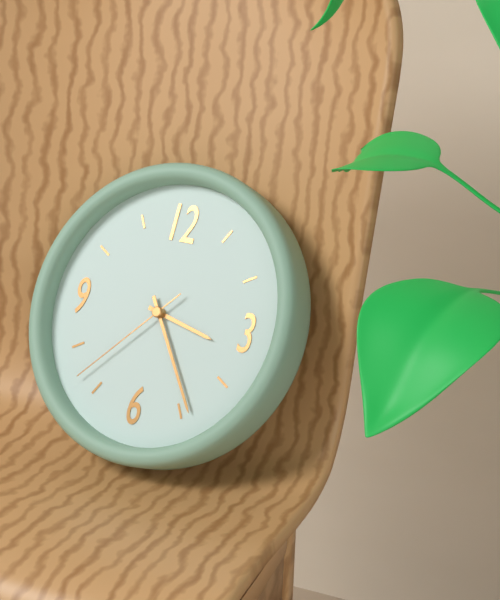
3:24:37
